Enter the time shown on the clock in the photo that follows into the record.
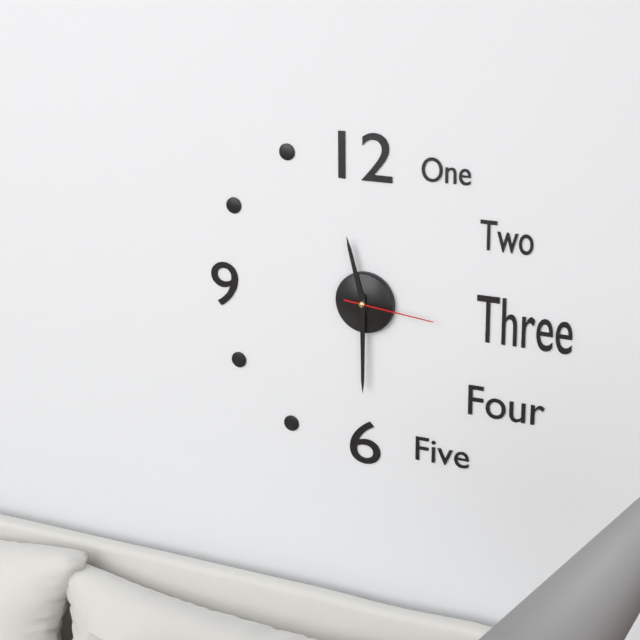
11:30:16
